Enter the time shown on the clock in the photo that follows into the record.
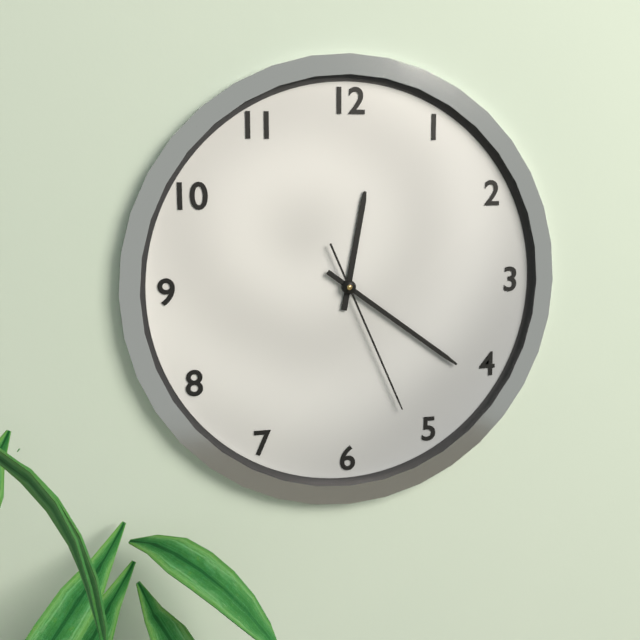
12:21:26
